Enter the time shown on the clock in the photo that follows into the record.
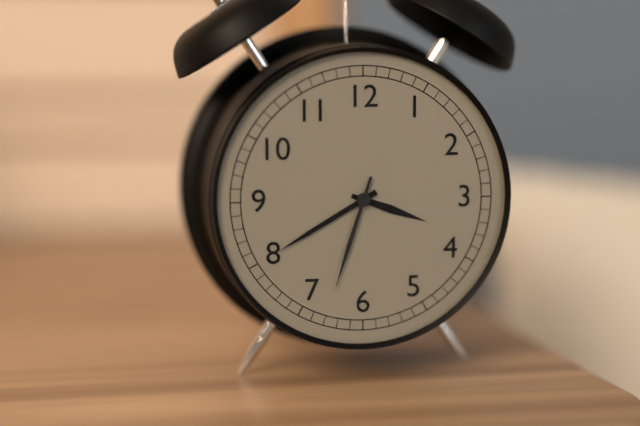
3:40:33
